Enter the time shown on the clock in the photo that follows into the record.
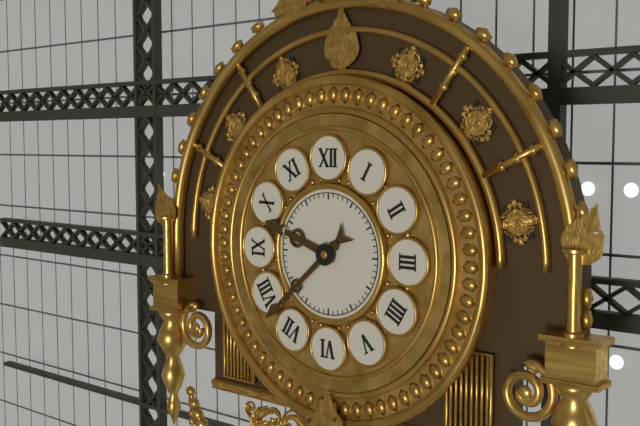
9:38
